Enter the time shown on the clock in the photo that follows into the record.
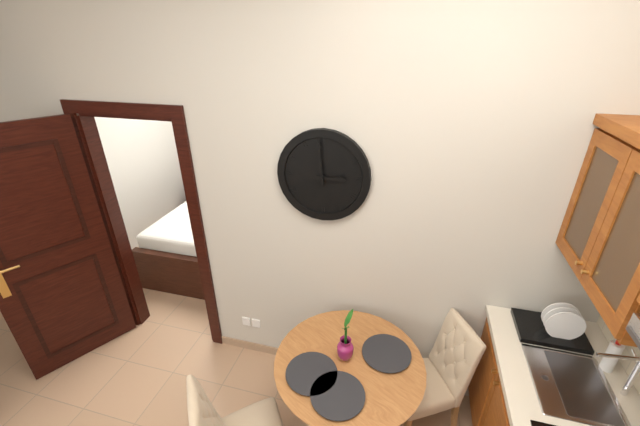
2:59
